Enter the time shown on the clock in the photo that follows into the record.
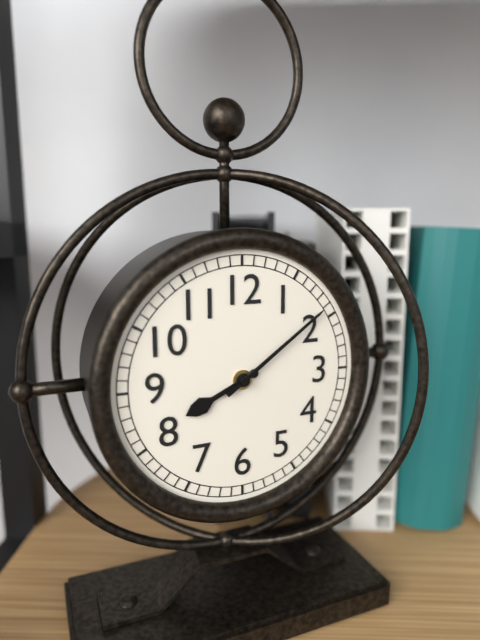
8:09
